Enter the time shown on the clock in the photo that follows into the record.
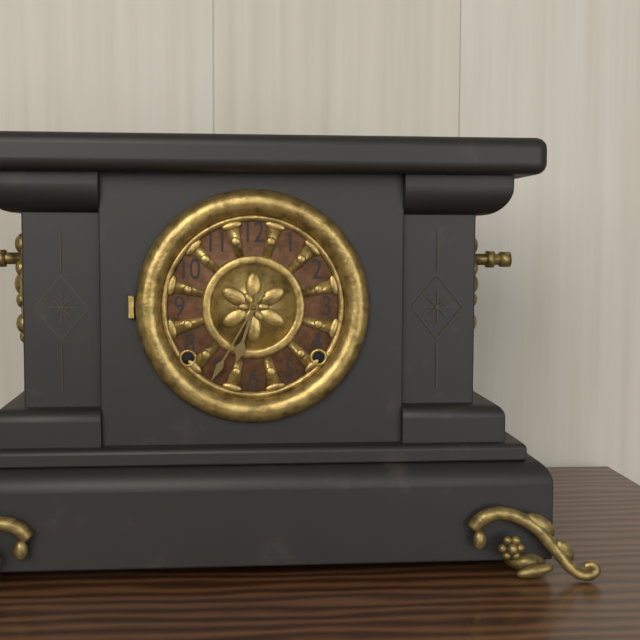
6:35
